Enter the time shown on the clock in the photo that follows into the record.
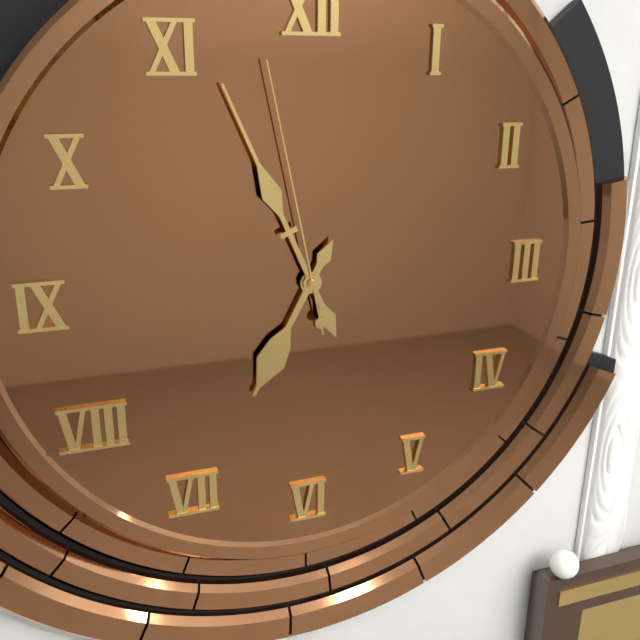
6:56:58
